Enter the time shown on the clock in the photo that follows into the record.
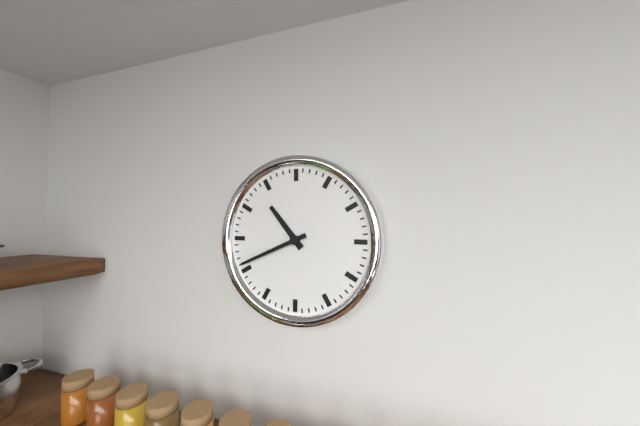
10:41
